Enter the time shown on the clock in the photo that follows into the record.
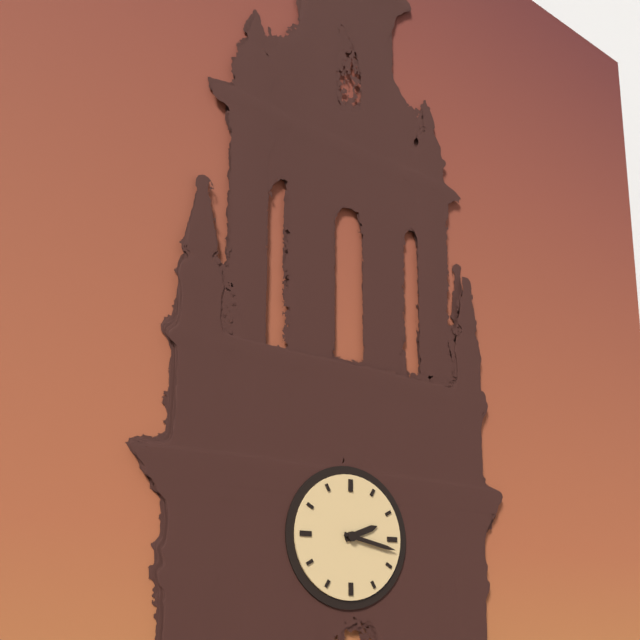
2:17
